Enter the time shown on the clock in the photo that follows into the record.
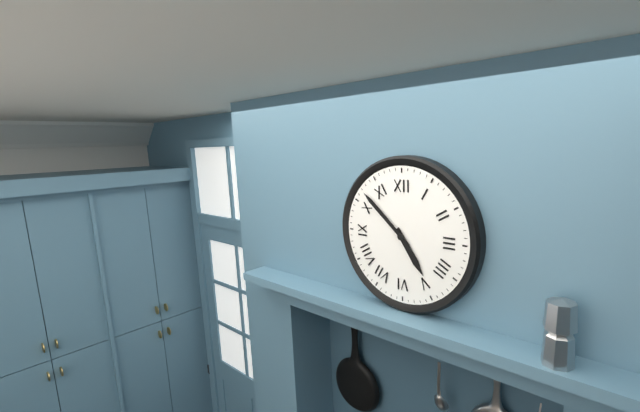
4:52
